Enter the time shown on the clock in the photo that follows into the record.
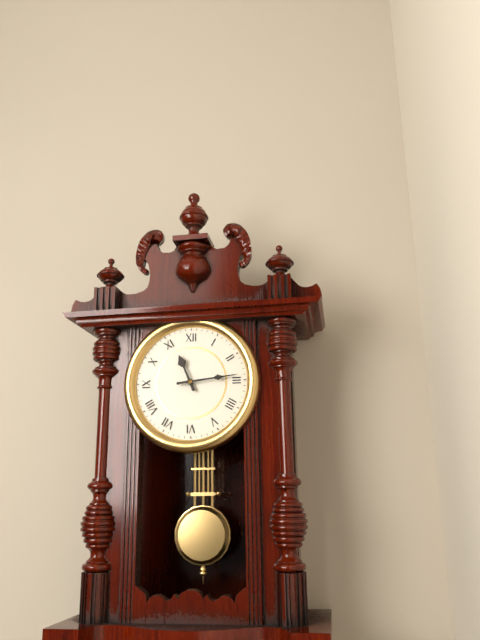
11:14
